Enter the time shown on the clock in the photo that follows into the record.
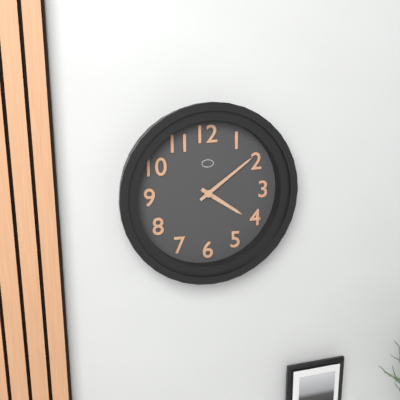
4:09
